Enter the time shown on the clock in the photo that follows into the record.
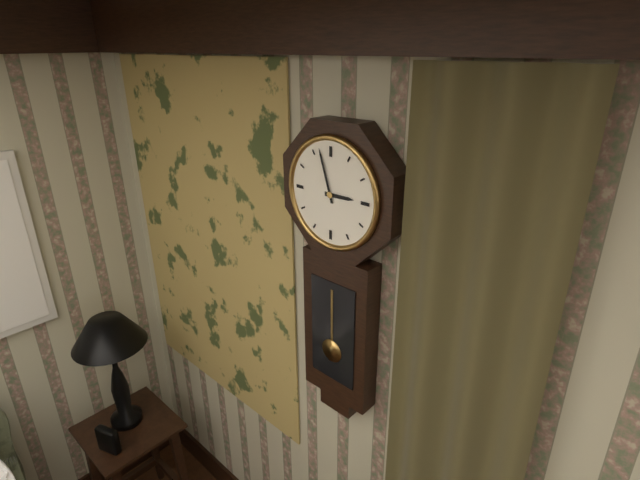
2:57
